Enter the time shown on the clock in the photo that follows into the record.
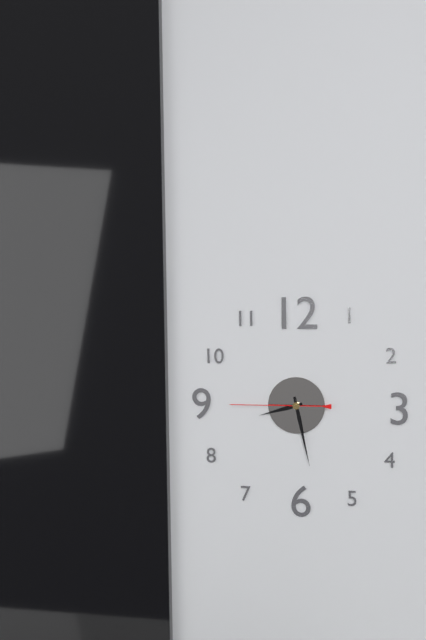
8:28:45
